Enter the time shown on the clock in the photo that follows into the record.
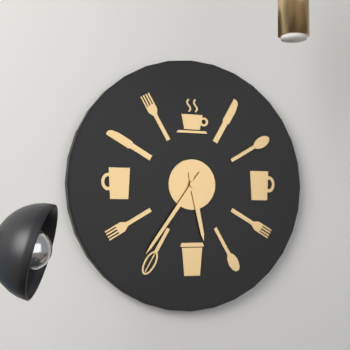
5:36
